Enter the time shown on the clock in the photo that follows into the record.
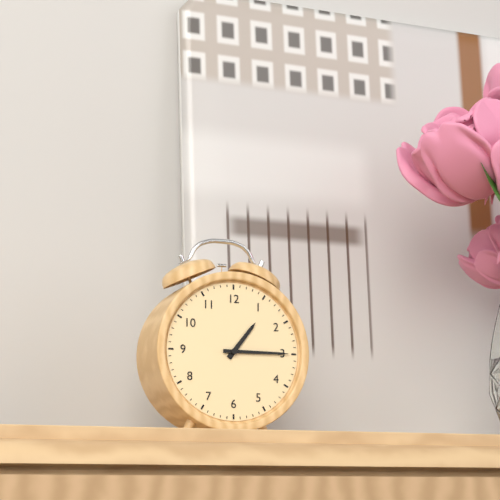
1:15
